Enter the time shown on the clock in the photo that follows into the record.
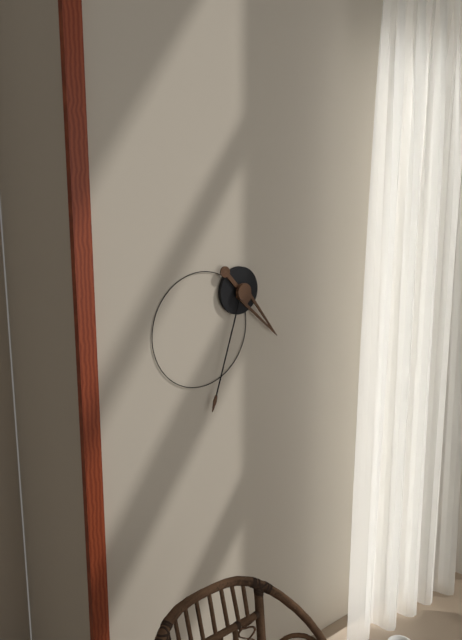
4:33
